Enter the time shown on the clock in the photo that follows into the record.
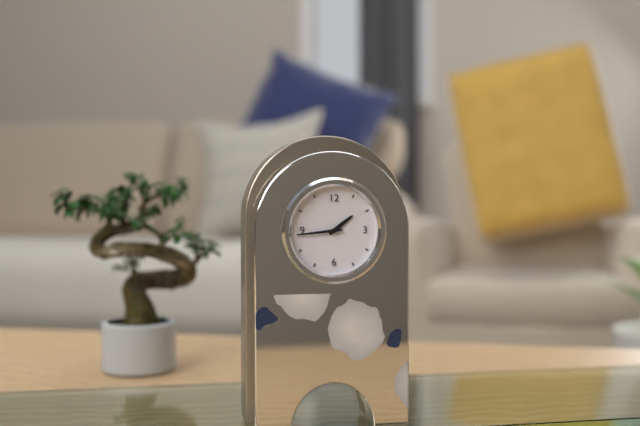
1:44
